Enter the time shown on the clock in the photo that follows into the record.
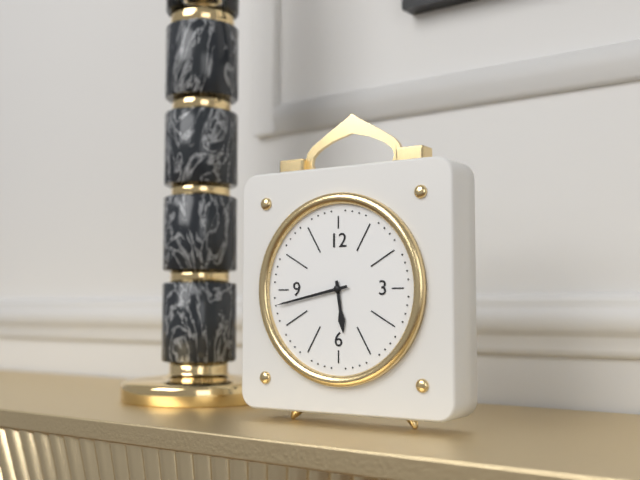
5:43
